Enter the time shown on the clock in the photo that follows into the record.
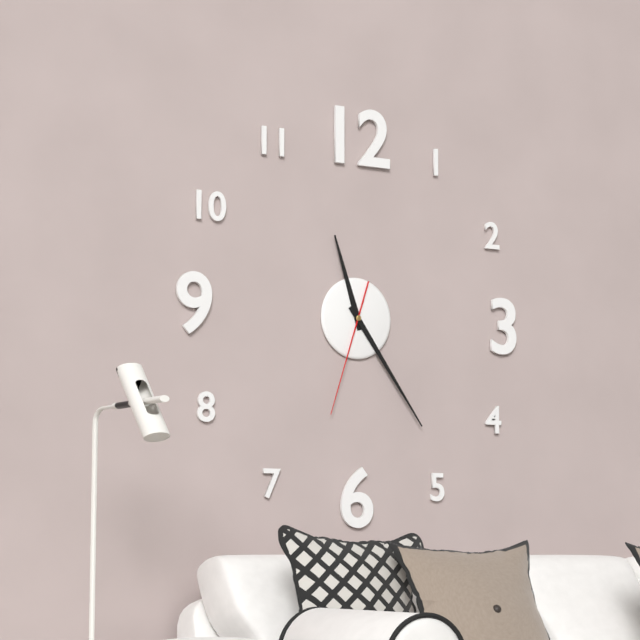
11:24:33
